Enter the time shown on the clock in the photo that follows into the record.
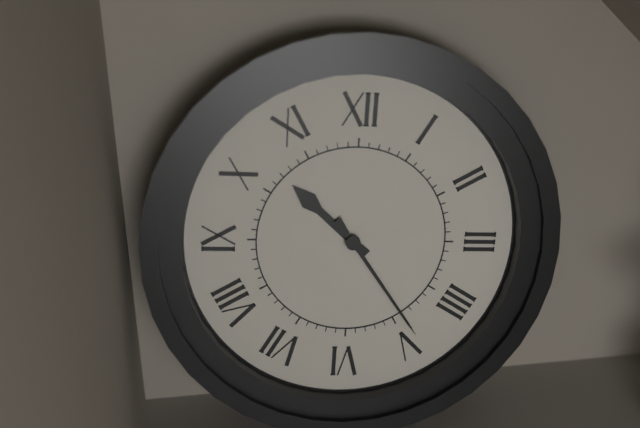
10:24
